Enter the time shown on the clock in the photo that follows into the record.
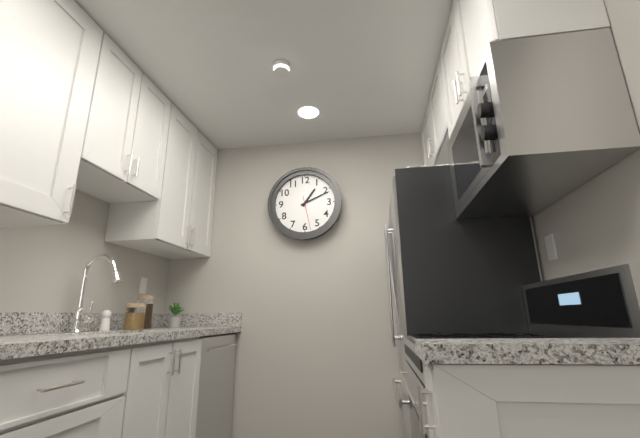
1:11
